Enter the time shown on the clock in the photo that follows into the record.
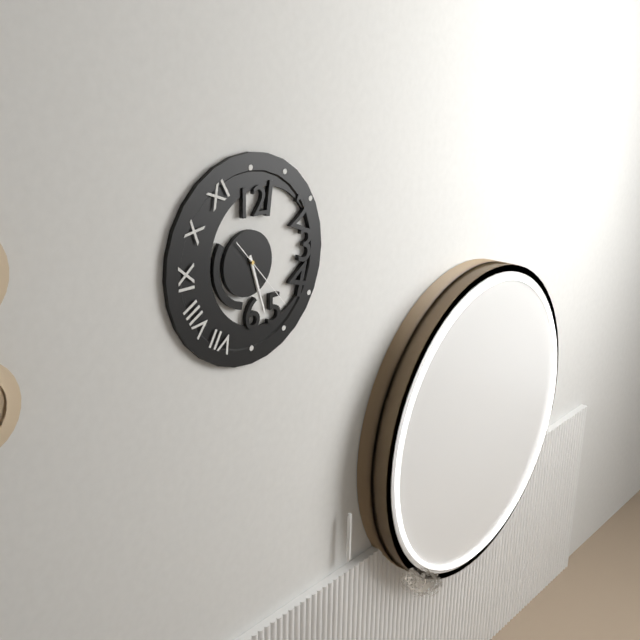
5:27:23
